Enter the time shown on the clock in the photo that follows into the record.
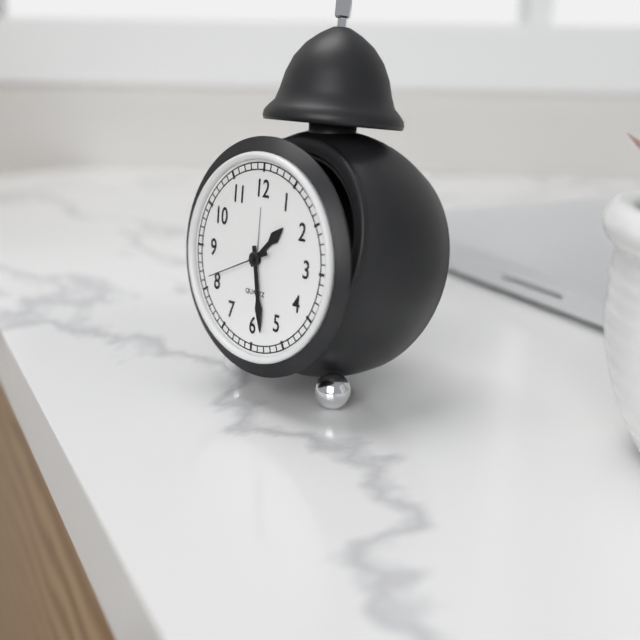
1:28:41
